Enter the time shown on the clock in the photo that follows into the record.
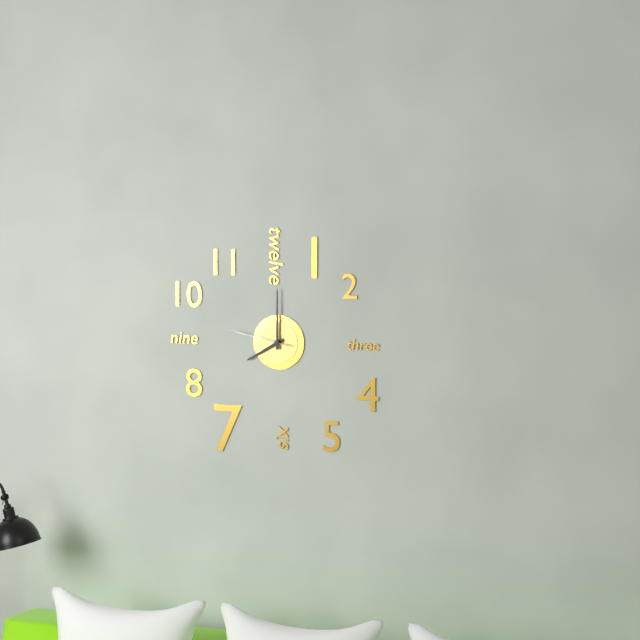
8:00:47
